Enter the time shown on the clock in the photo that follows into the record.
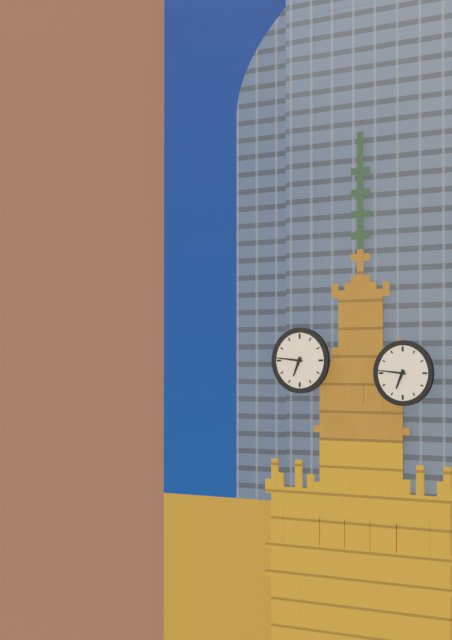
6:46
